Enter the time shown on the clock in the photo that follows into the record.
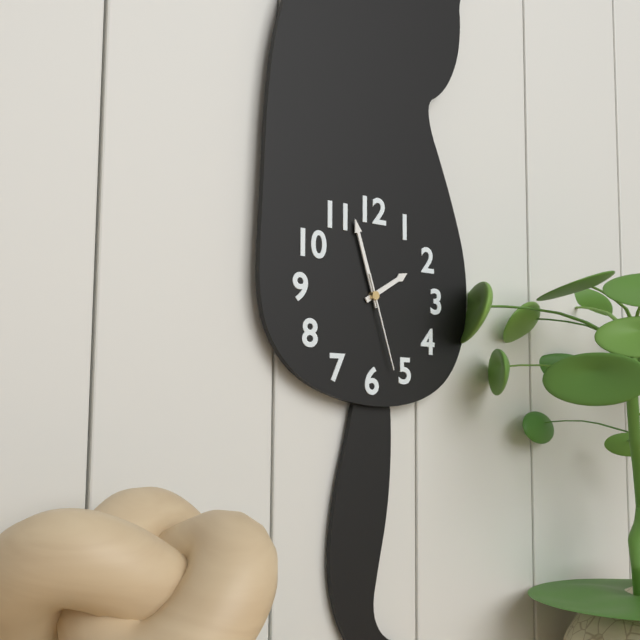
1:57:27
